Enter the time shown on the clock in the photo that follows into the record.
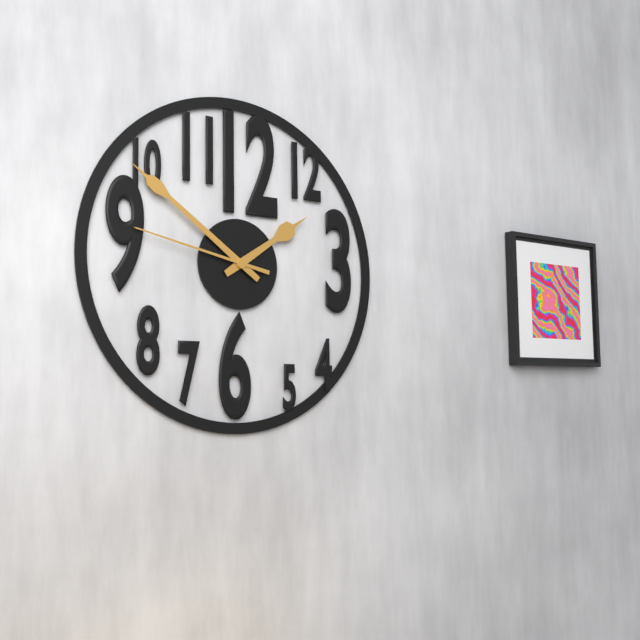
1:51:47
